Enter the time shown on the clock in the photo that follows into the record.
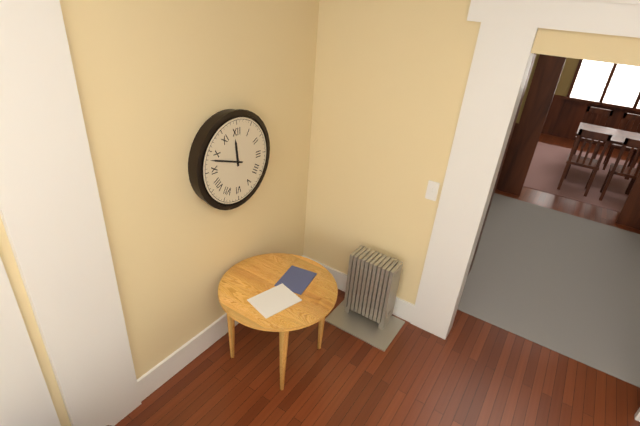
11:48
